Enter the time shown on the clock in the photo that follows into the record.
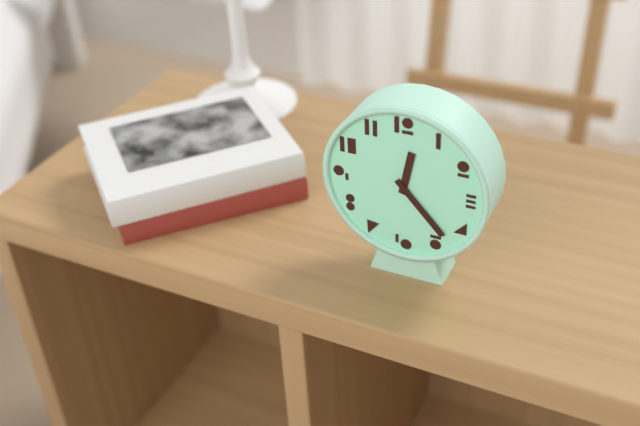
12:23
